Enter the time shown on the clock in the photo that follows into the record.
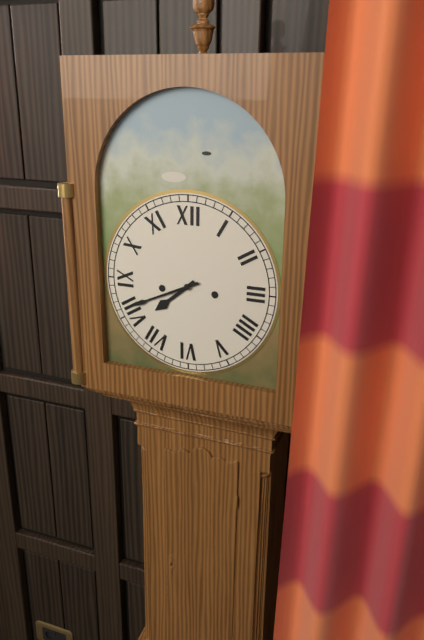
7:41
